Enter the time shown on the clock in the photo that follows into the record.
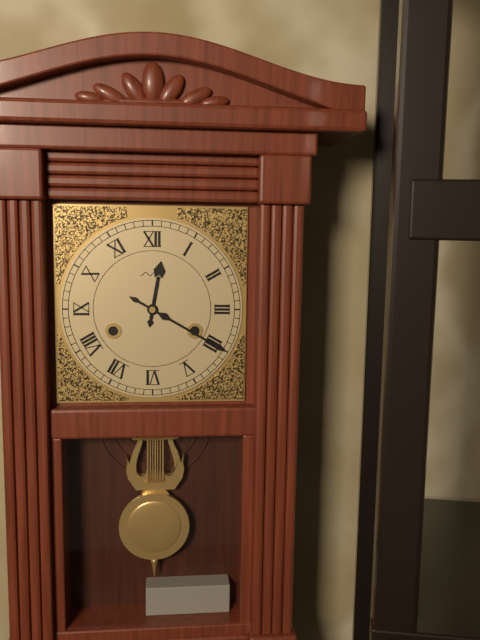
12:20
